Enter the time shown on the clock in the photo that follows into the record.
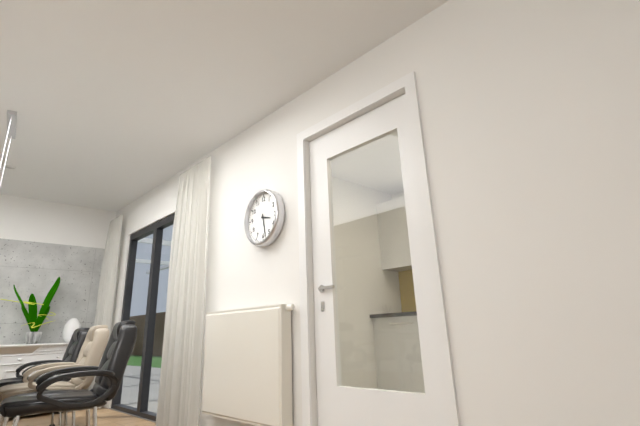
3:28
